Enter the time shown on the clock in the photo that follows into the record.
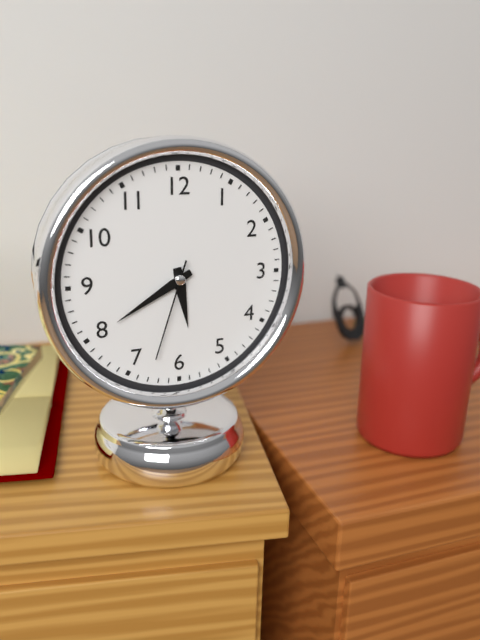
5:40:33
